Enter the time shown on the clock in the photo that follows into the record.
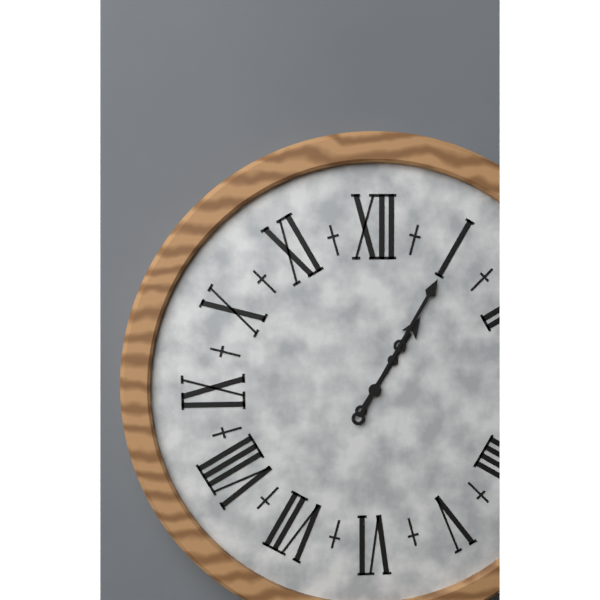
1:05
